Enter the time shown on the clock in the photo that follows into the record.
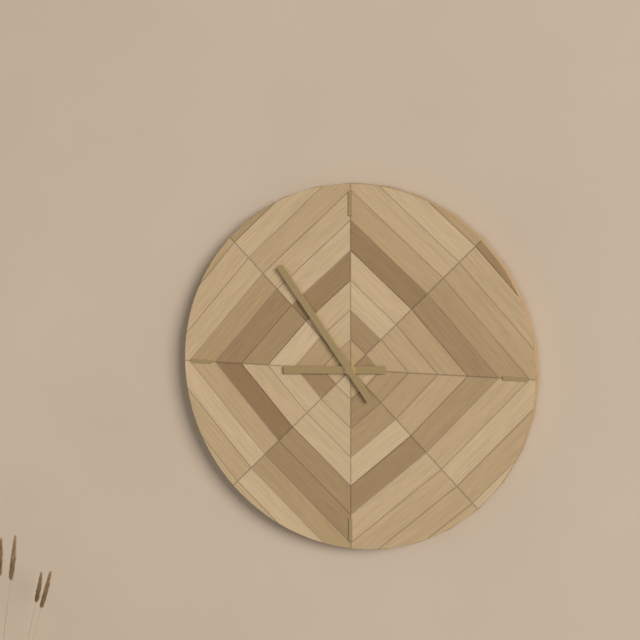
8:54
